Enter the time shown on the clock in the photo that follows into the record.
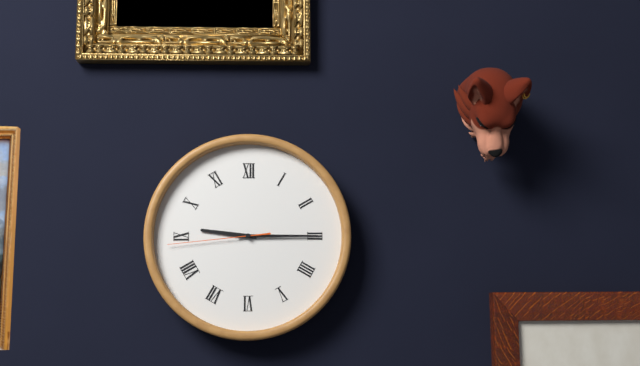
9:15:44
